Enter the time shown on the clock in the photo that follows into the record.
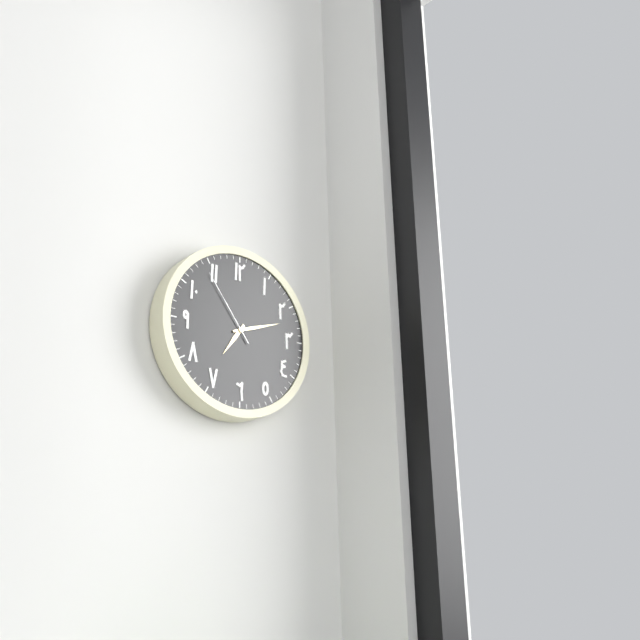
7:12:54
